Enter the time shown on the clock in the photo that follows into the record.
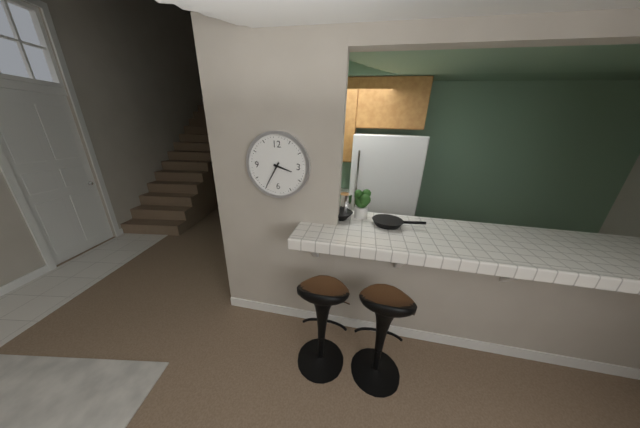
3:35
